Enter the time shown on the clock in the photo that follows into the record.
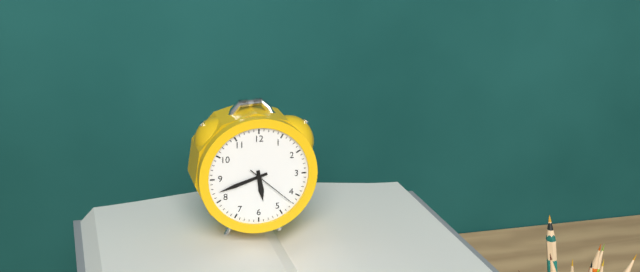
5:42:22
